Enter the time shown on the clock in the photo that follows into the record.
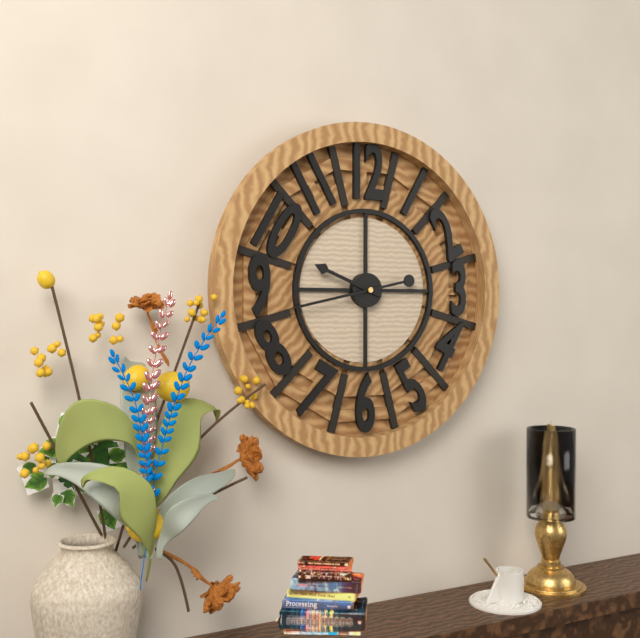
9:43
